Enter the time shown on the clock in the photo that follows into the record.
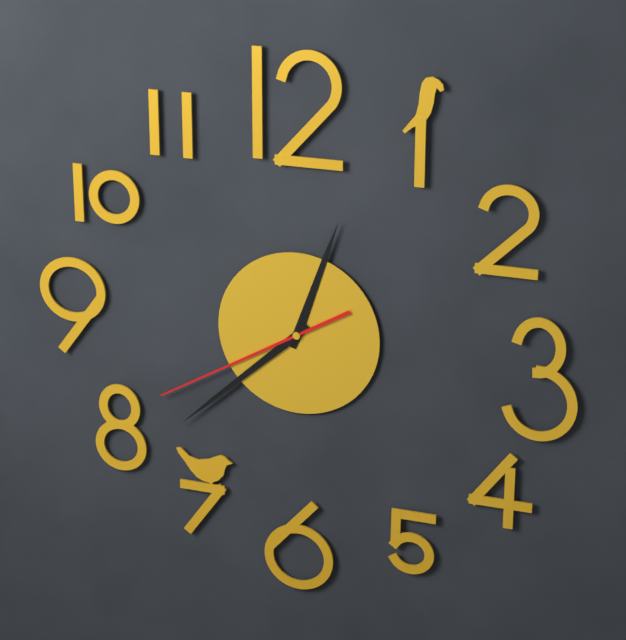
12:38:40
